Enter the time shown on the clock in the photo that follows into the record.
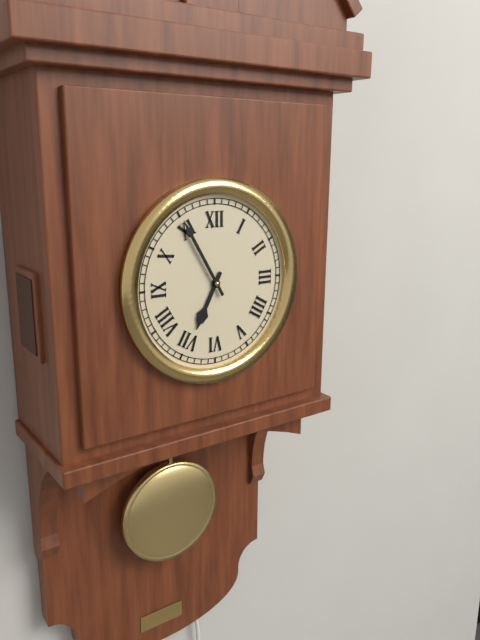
6:55
